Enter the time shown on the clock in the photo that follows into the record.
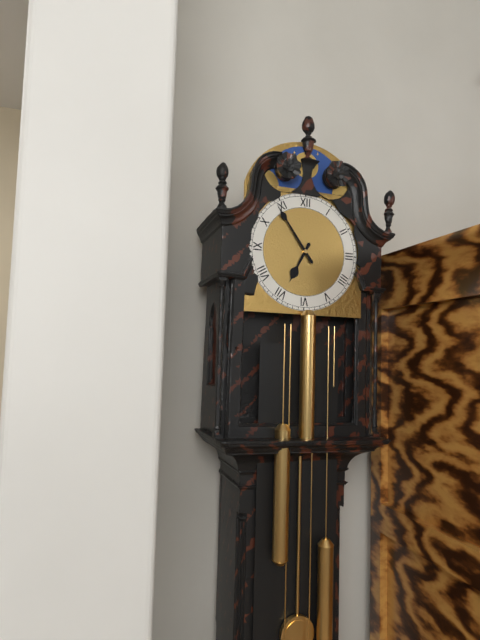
6:54
